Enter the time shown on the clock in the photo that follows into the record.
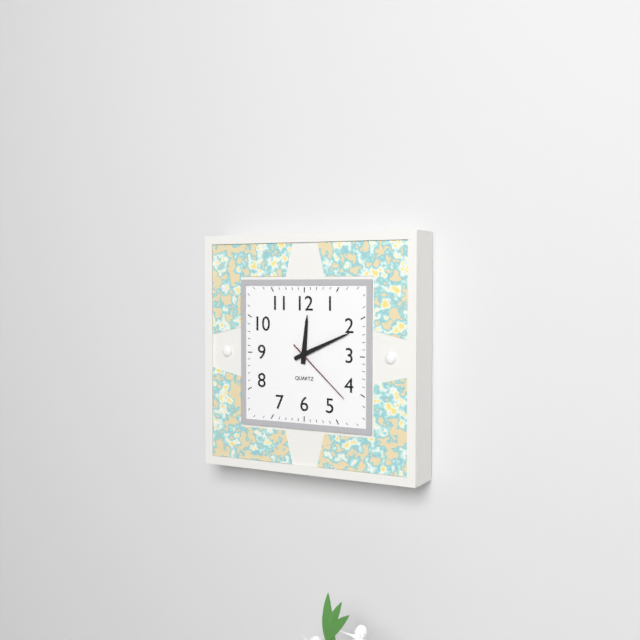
12:11:22
